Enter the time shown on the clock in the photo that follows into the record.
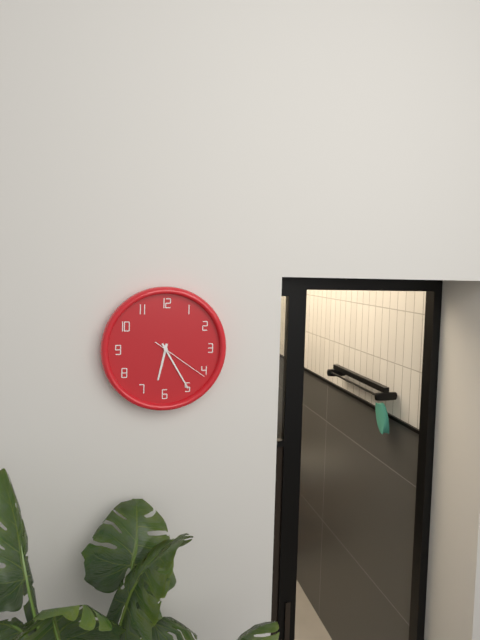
6:25:21
